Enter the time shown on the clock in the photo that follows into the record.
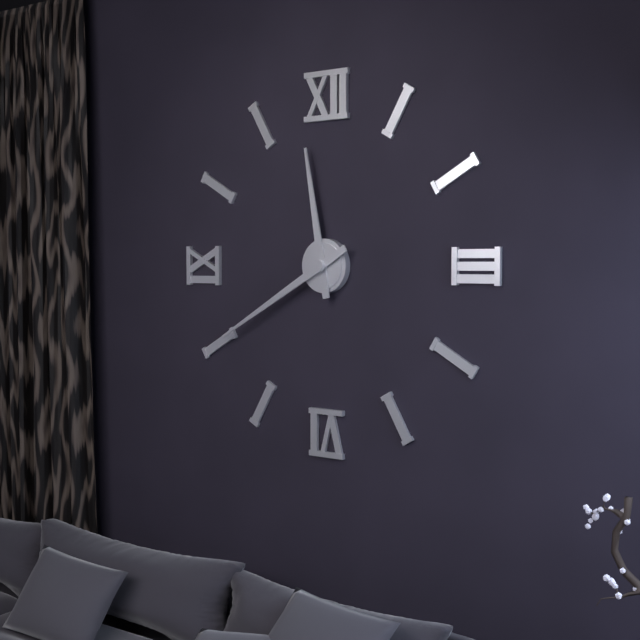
11:40
